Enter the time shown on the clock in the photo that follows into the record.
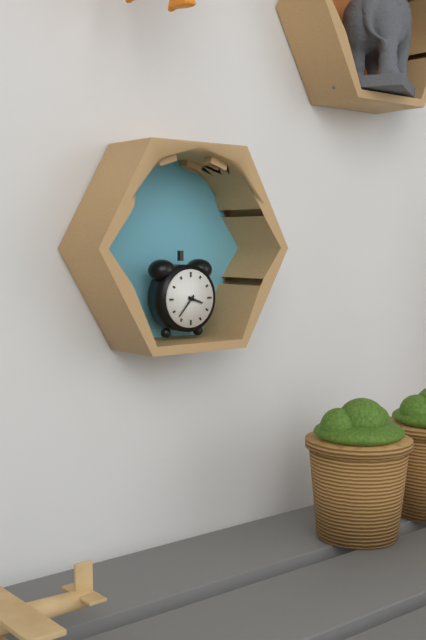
3:37
